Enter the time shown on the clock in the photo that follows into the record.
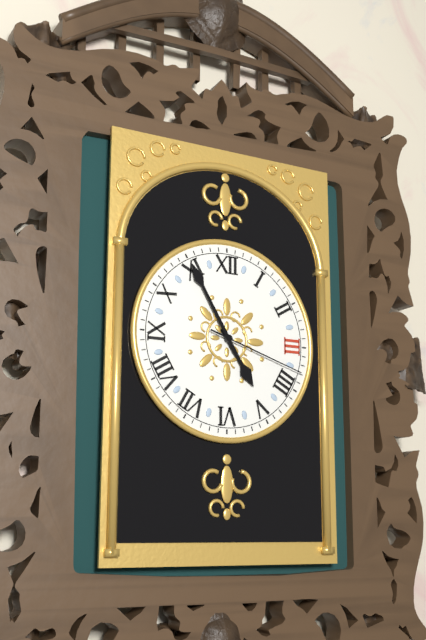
4:55:18
